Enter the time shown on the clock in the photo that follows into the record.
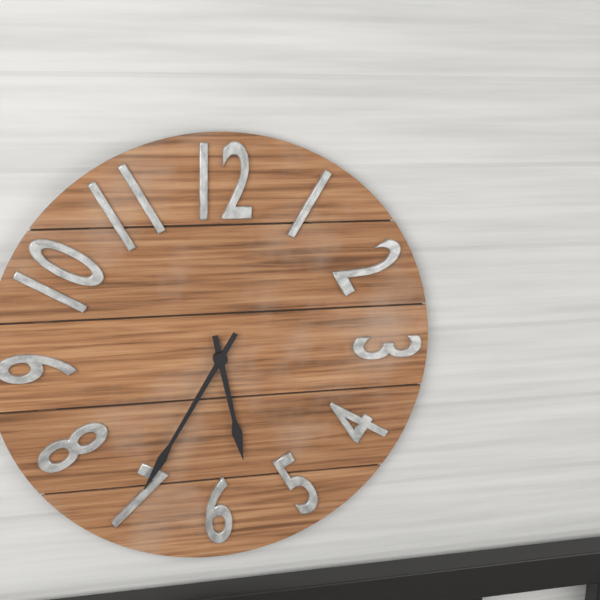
5:35
